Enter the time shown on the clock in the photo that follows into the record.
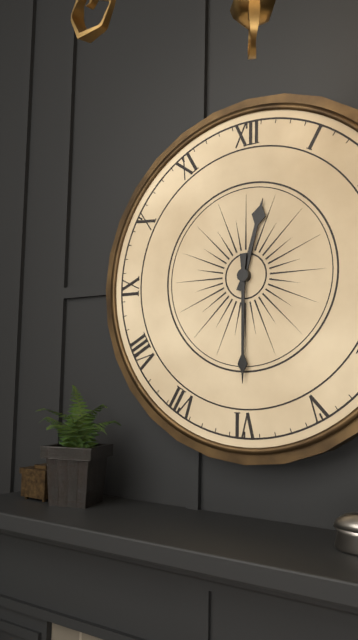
12:30
